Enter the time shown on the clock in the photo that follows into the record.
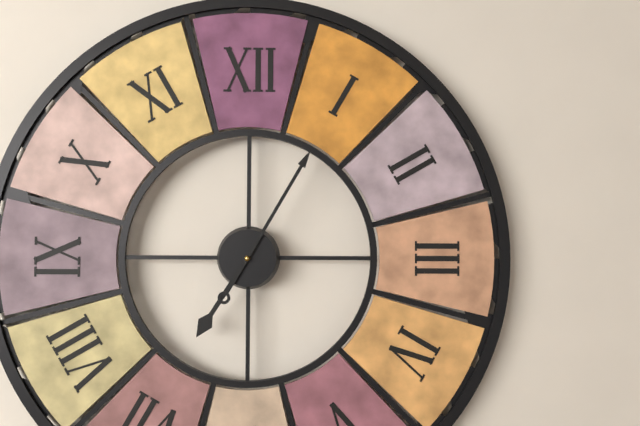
7:05
